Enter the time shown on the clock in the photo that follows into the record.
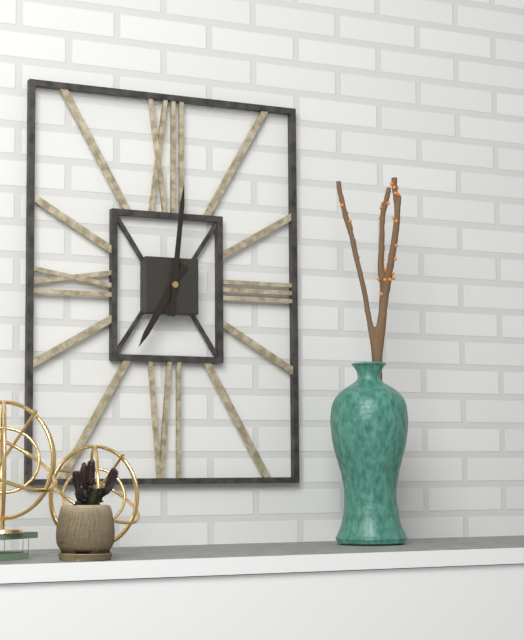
7:01
